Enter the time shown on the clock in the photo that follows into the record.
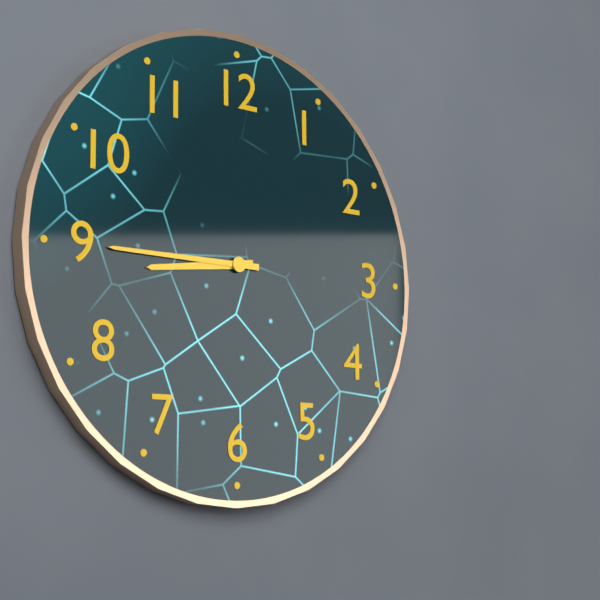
8:45
